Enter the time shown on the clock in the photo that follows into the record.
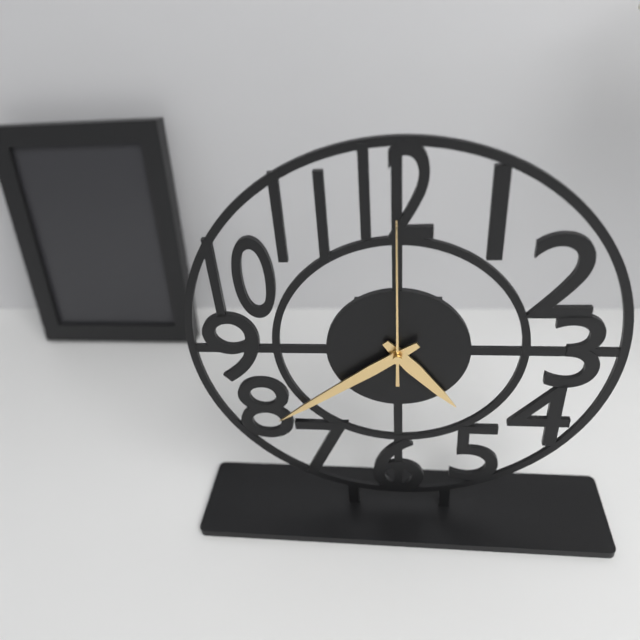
4:39:00
